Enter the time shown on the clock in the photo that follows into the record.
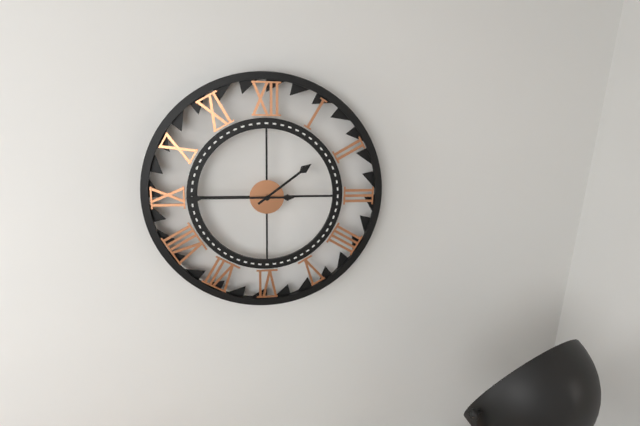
1:45
